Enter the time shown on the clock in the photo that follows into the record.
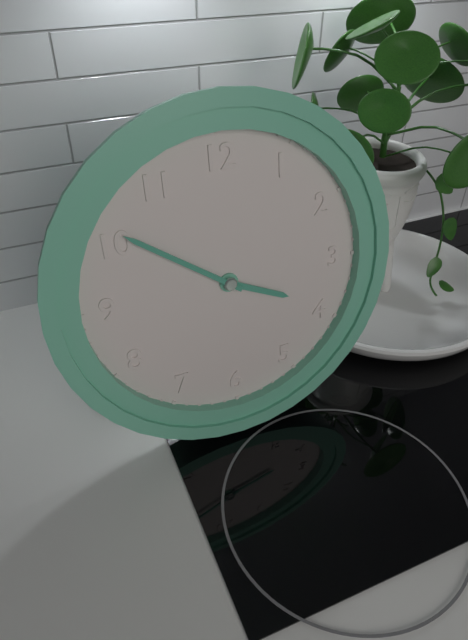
3:51
